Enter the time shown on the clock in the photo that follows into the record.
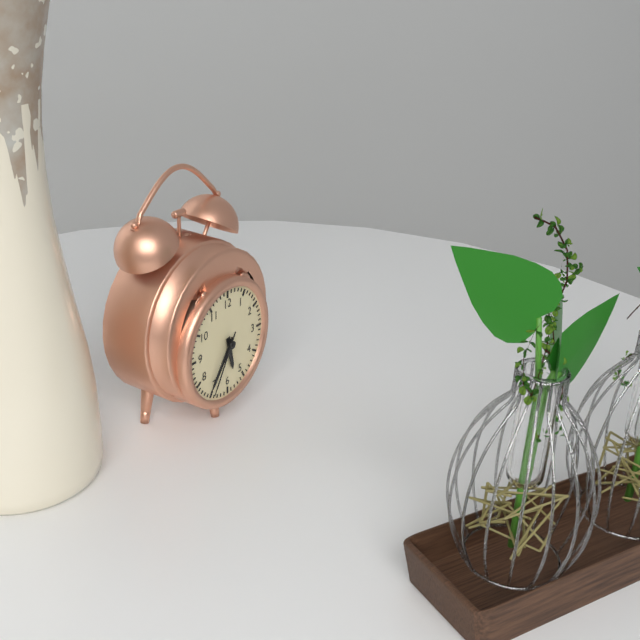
5:36:35
